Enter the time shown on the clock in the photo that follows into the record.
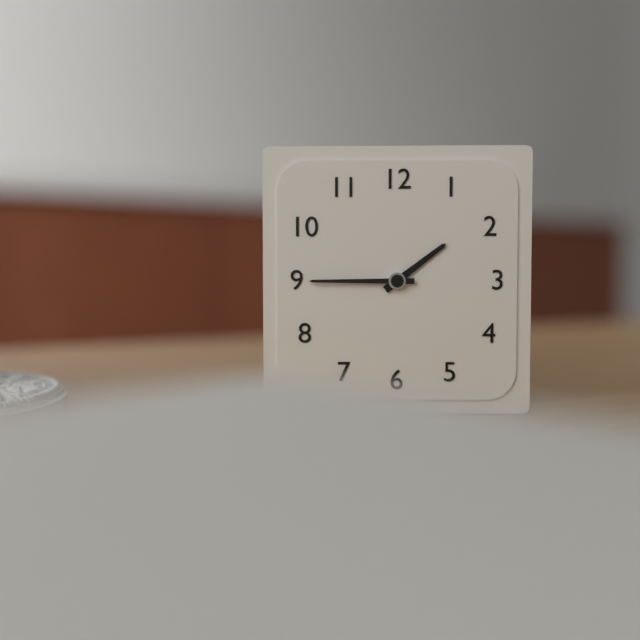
1:45
